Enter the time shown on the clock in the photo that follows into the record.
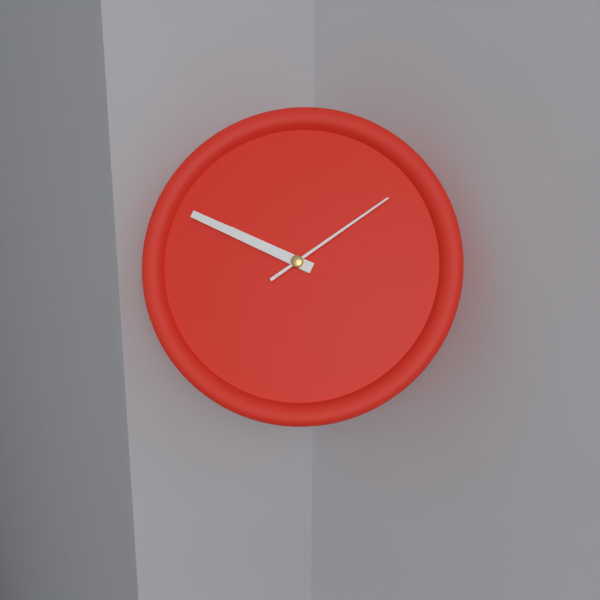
9:49:09
